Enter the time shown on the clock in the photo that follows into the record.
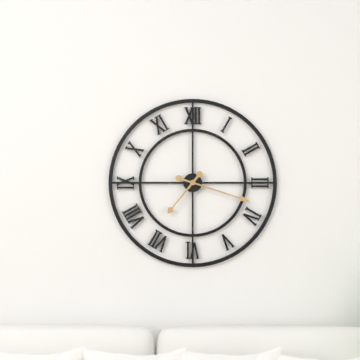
7:18
